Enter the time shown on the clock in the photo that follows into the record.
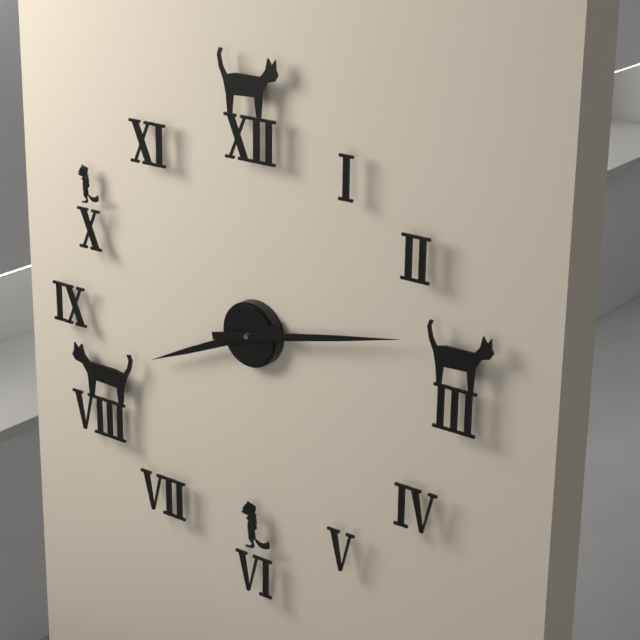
8:13
